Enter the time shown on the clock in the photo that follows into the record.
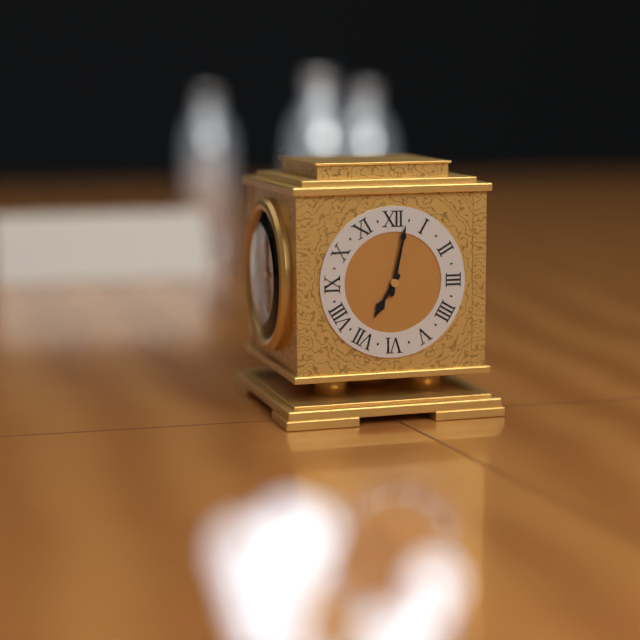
7:02
